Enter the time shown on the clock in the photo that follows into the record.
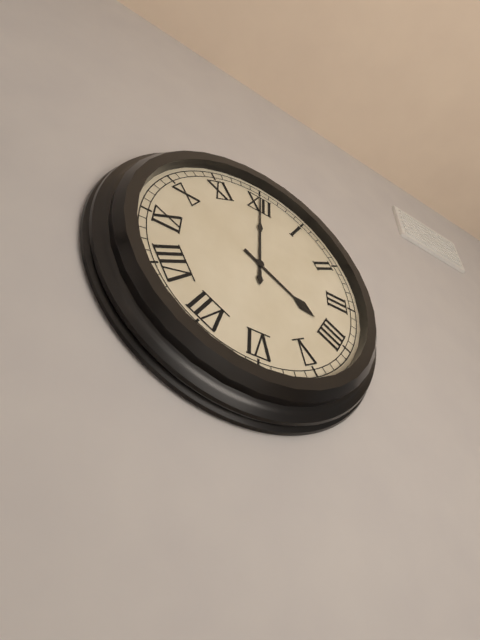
4:00
